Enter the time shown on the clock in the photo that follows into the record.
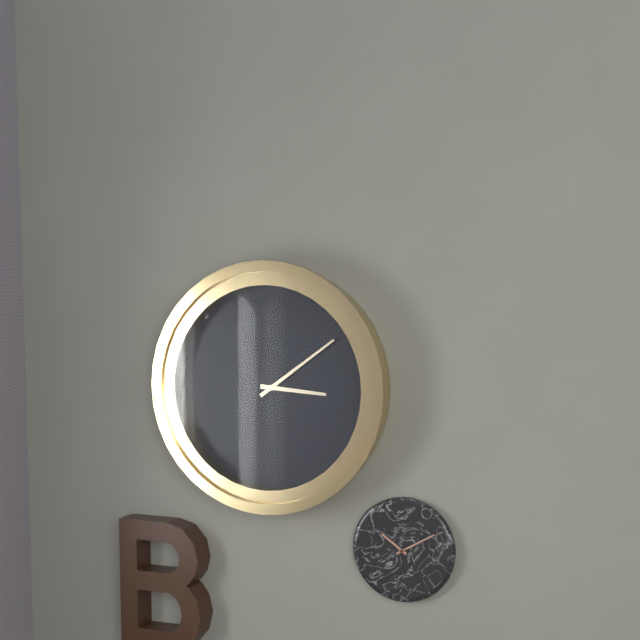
3:09
